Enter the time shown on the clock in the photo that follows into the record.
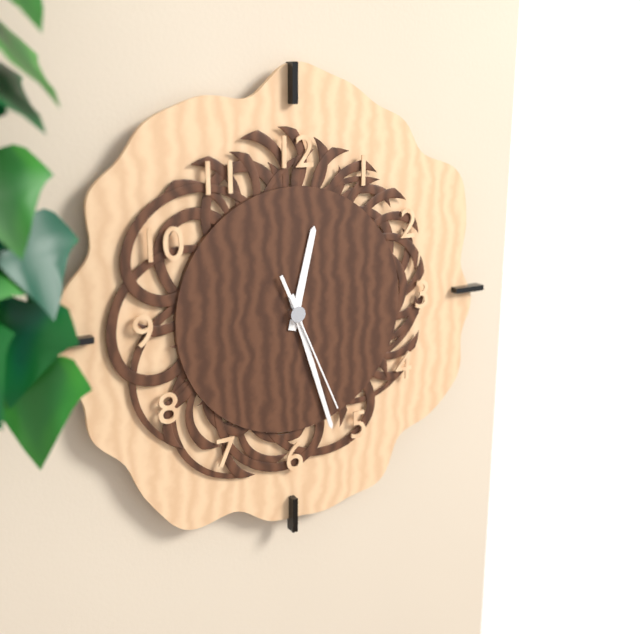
12:27:26
